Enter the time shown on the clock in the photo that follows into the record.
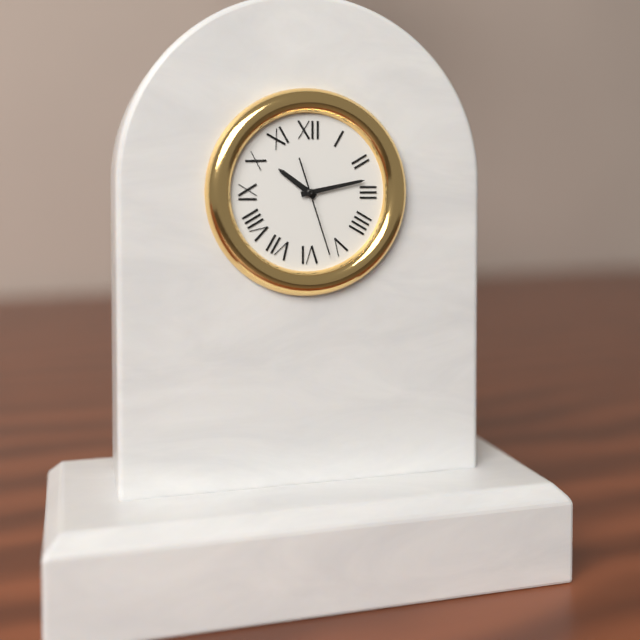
10:13:27
